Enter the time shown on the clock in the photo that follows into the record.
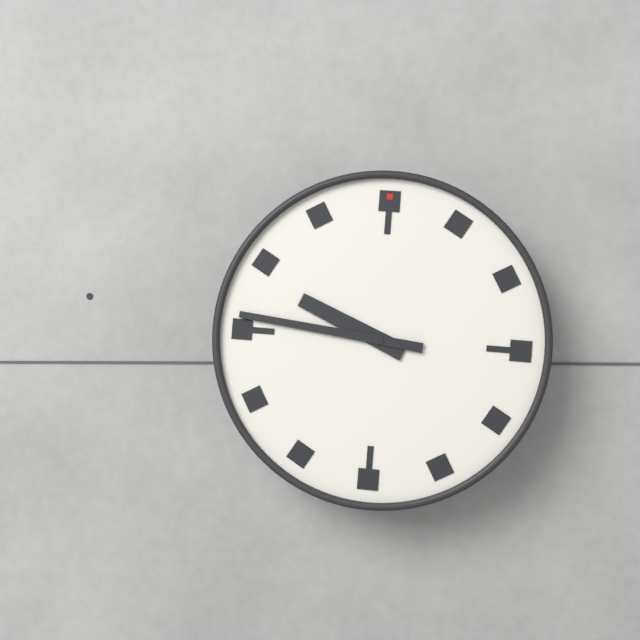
9:46
